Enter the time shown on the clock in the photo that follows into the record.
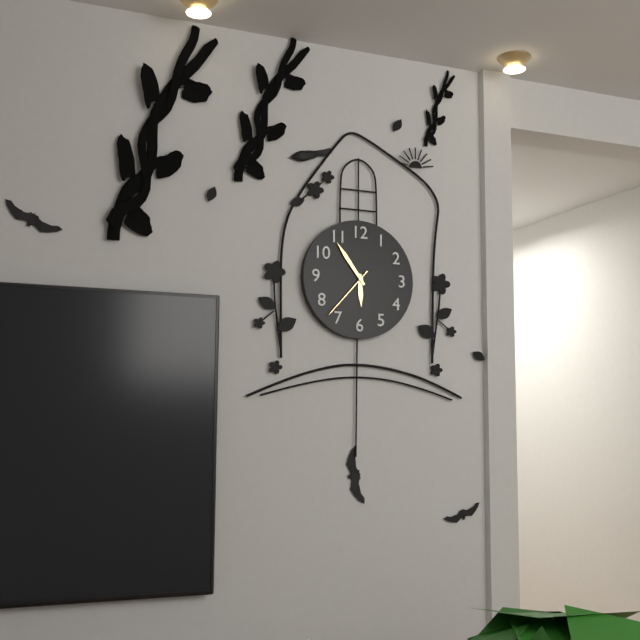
5:54:37
